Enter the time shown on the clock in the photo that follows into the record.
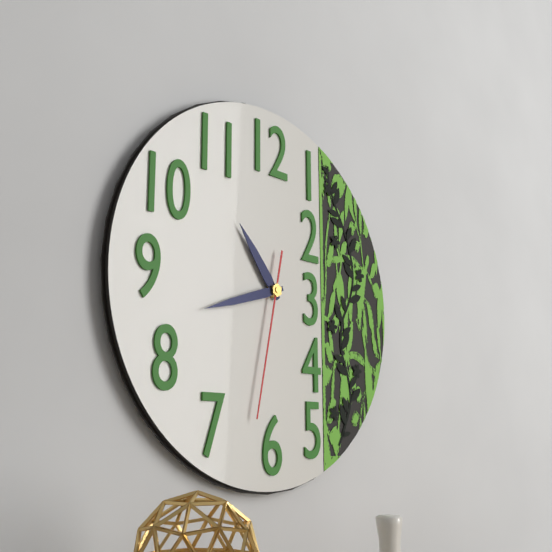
10:42:32
